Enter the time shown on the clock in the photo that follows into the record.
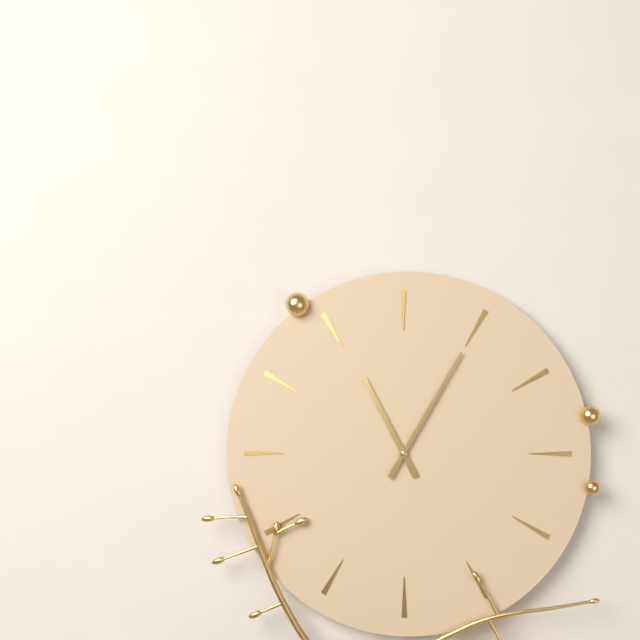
11:05
